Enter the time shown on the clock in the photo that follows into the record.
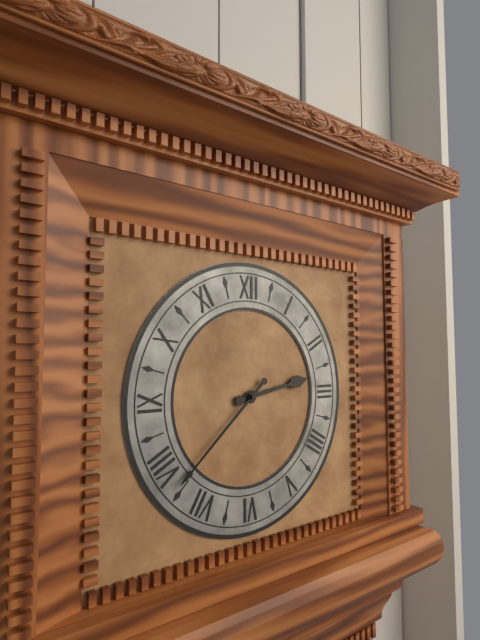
2:38
